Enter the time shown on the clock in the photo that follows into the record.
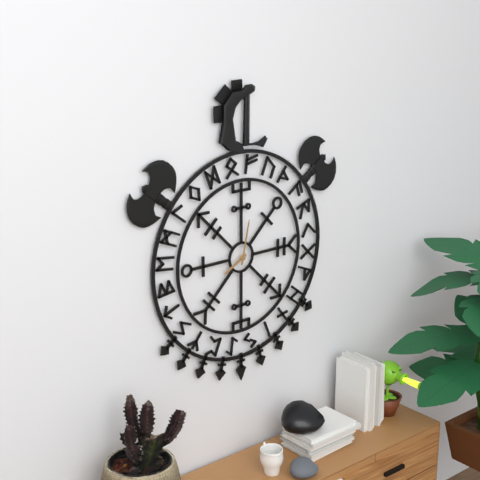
8:02
